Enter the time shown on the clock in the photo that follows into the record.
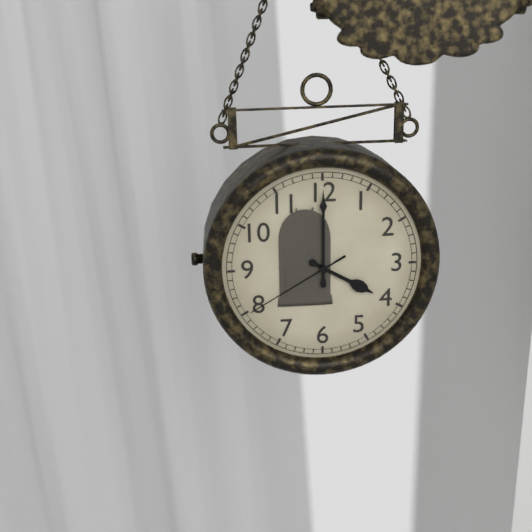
4:00:40
